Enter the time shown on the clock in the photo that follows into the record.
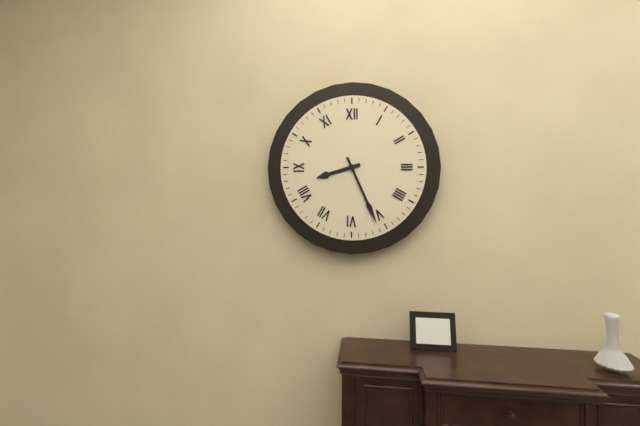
8:26
